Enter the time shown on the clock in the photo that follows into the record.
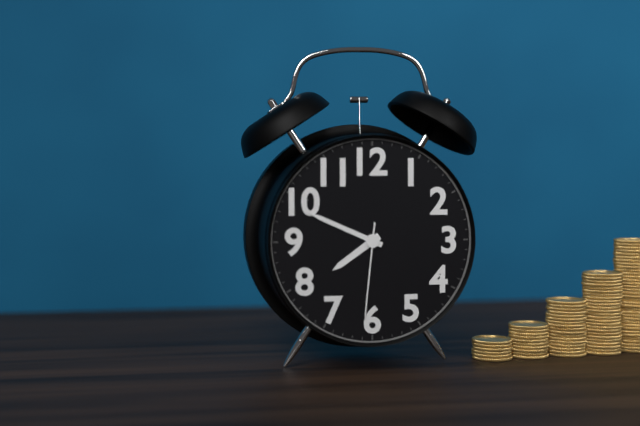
7:49:31
